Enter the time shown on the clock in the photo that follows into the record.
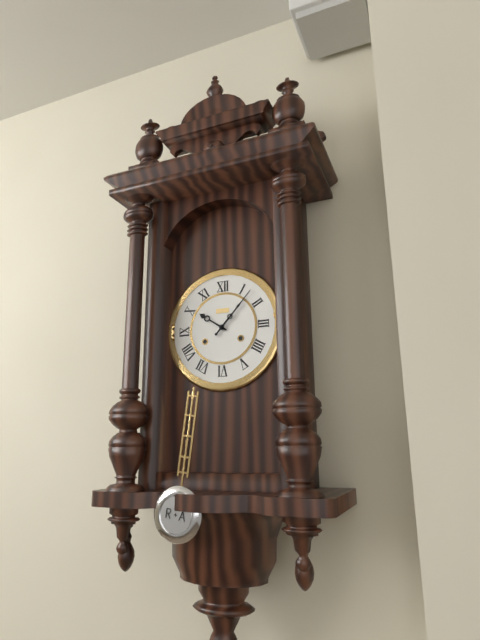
10:07
